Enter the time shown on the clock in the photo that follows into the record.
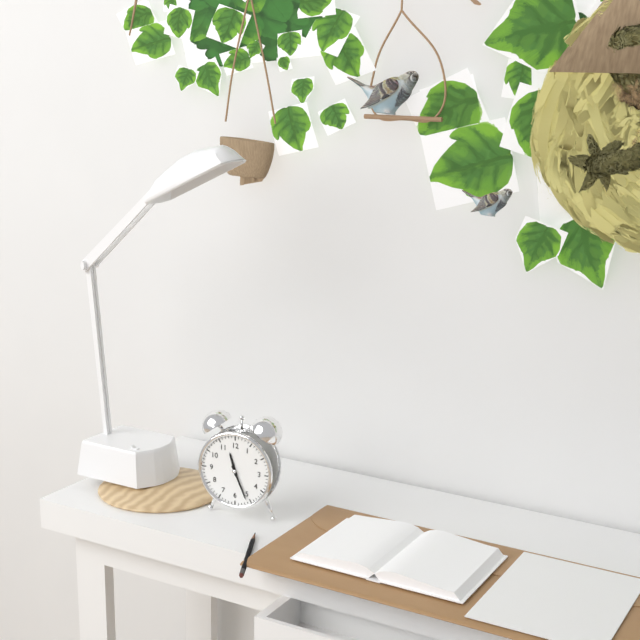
11:26
